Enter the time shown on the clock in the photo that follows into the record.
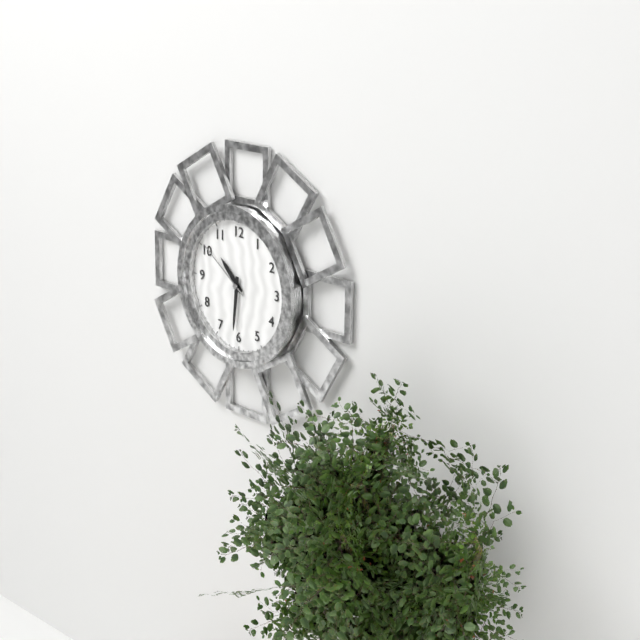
10:31:51
